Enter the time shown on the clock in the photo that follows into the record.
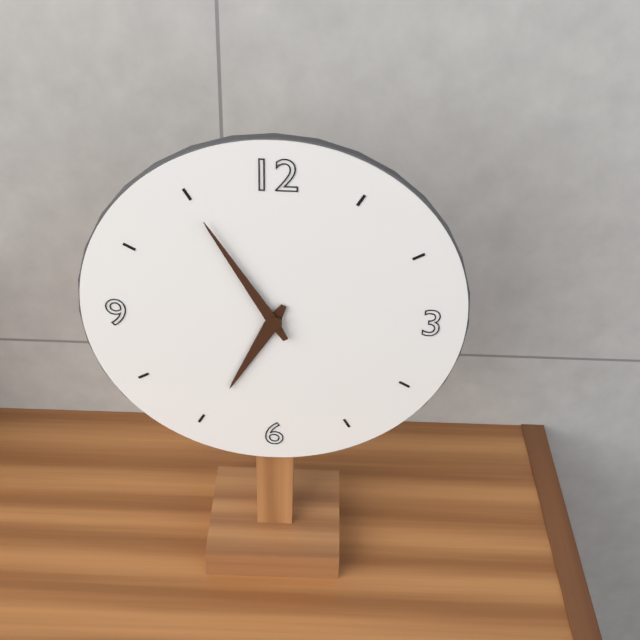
6:55
